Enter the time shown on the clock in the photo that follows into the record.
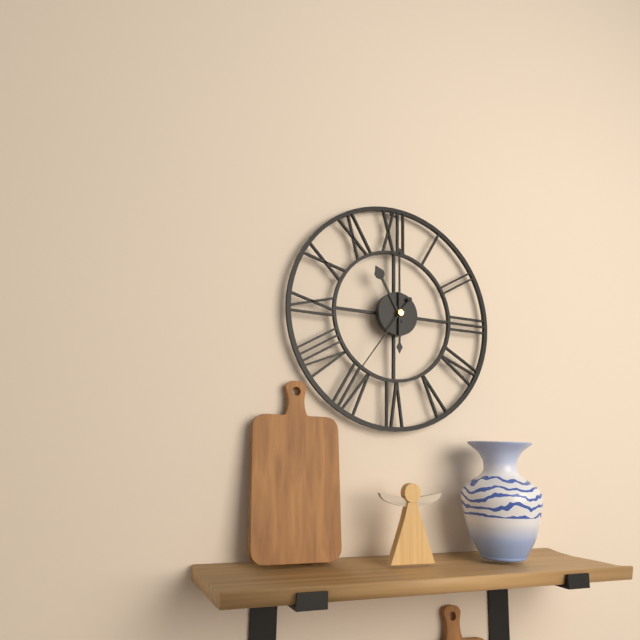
11:00:36
